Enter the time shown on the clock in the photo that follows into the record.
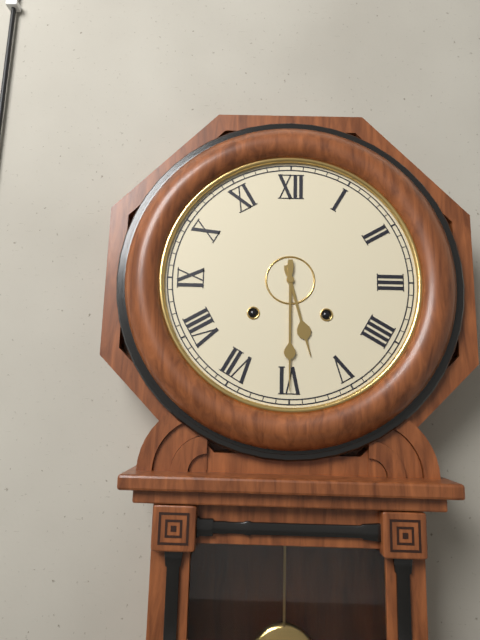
5:30
